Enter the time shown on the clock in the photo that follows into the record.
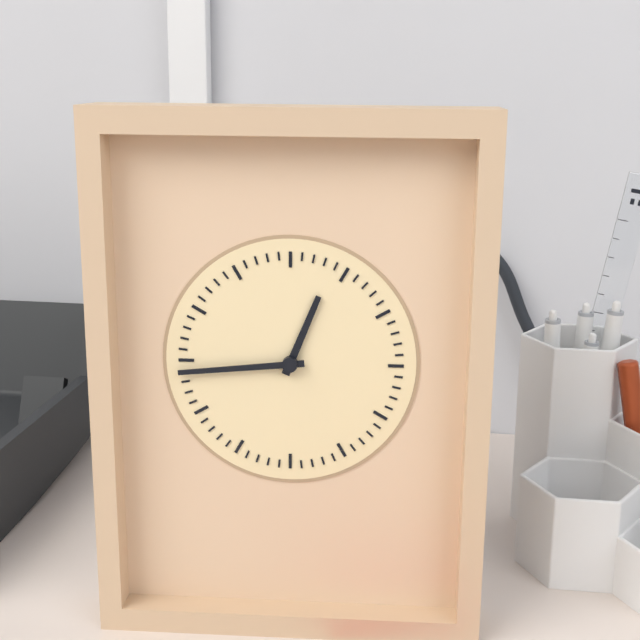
12:44
